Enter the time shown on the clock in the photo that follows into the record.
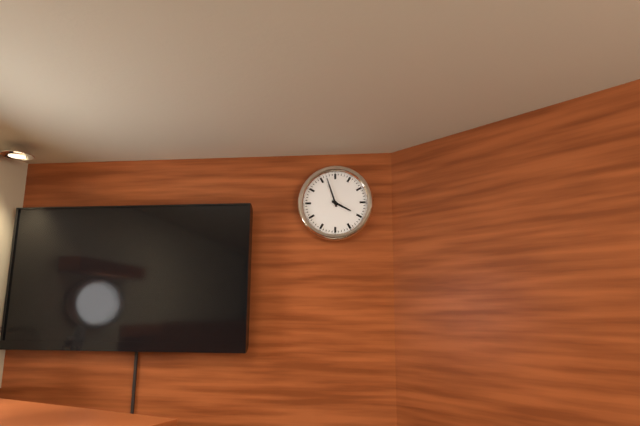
3:57
